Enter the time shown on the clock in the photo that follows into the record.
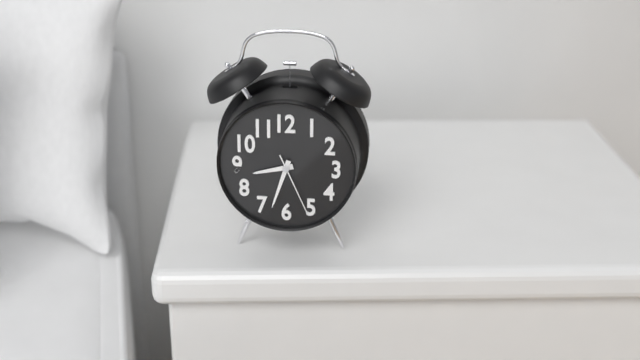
8:33:26
